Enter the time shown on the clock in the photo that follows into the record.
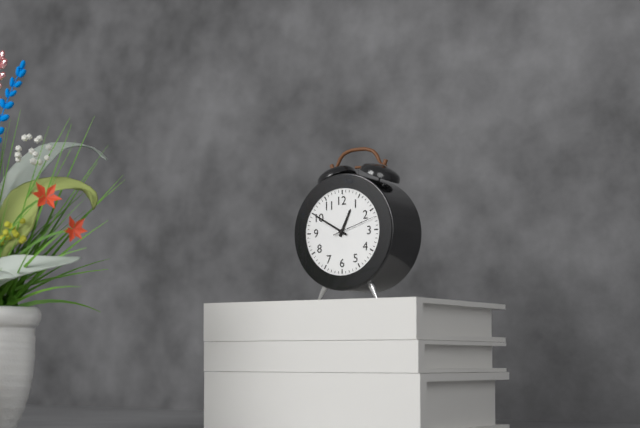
12:50
